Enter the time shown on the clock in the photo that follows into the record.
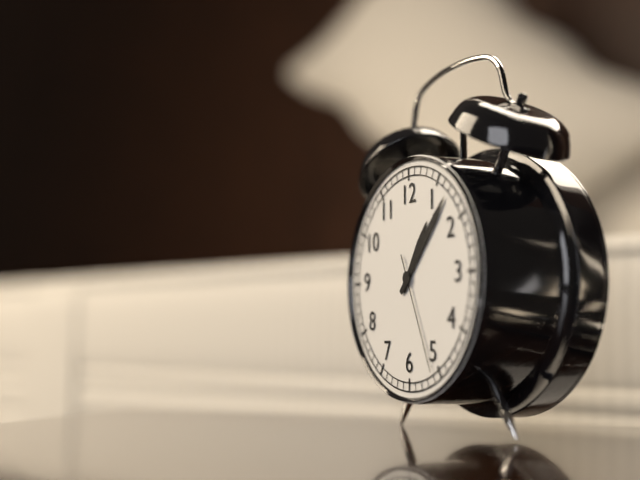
1:07:26
